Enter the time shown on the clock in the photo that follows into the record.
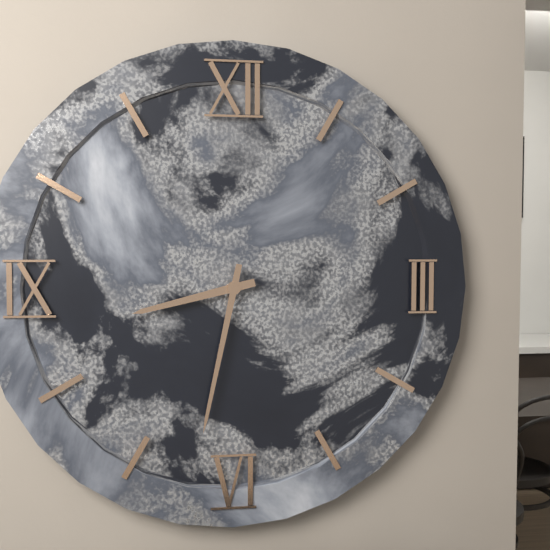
8:32
